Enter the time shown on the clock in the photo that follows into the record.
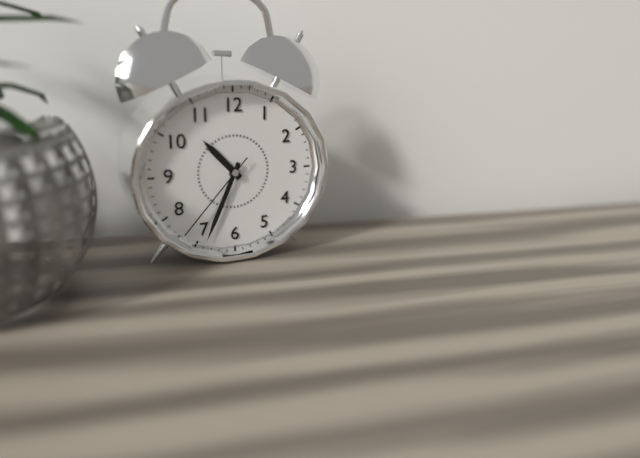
10:34:37
